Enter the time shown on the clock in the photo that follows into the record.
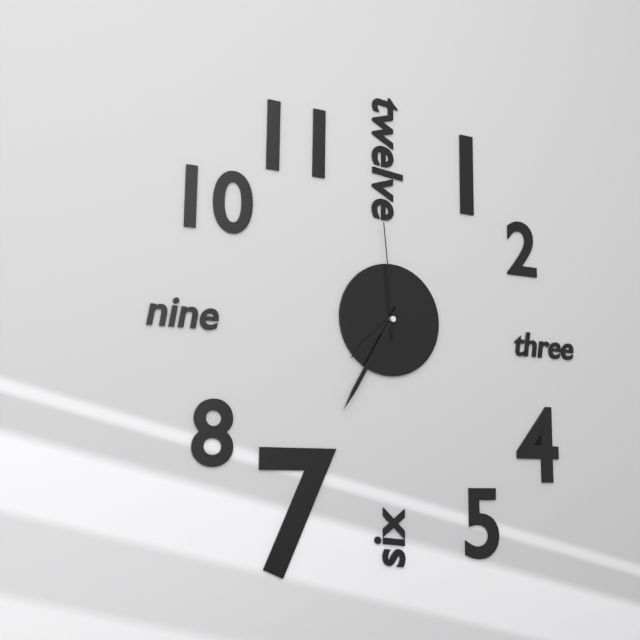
7:35:59
